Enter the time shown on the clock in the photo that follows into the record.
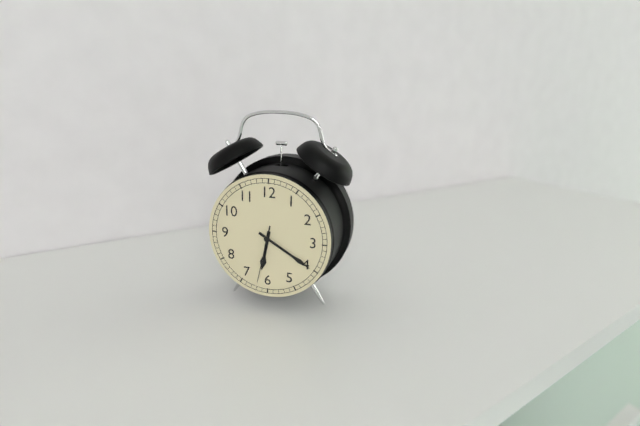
6:20:32
